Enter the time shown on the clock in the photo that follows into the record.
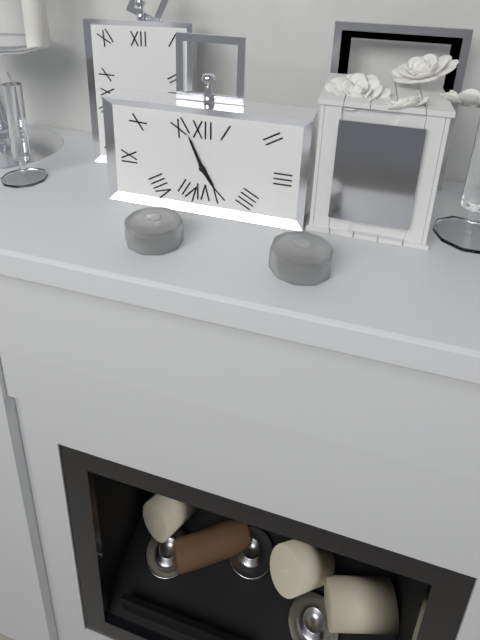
4:56
